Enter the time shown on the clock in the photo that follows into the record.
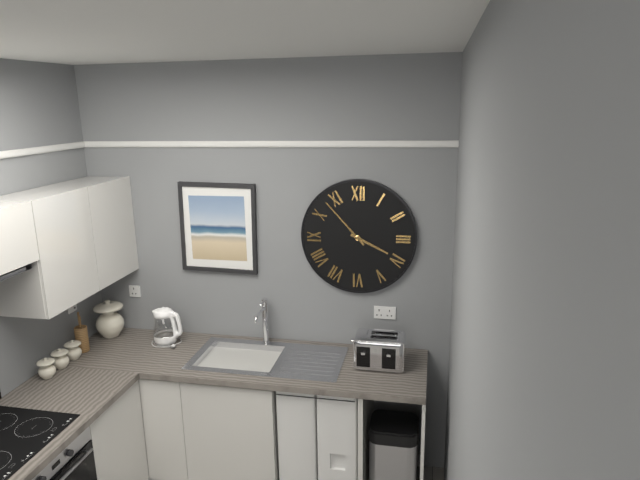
3:53
